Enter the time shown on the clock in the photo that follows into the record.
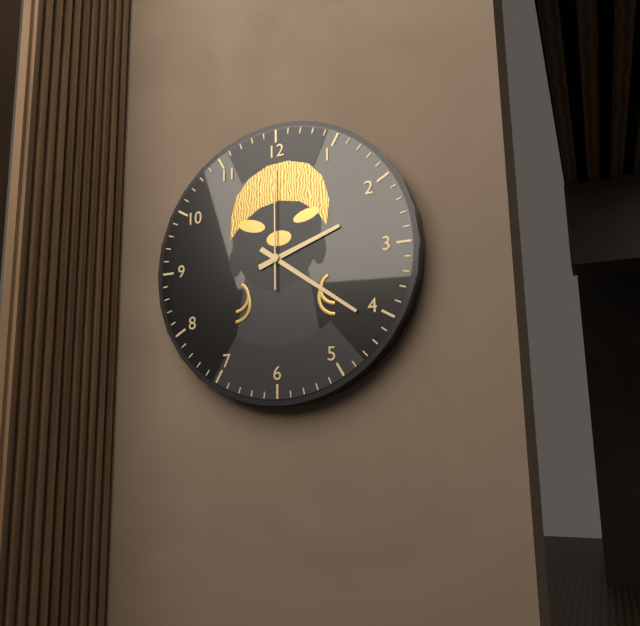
2:21:00
